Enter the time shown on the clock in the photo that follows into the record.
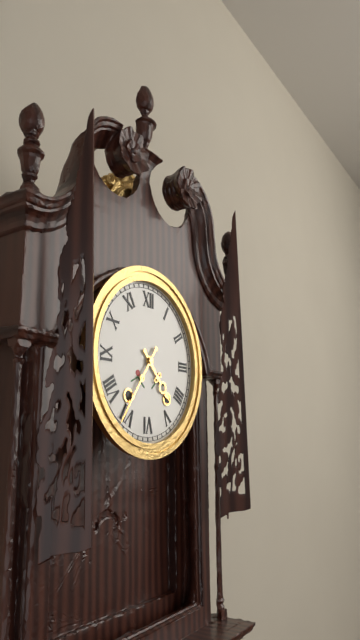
4:36
